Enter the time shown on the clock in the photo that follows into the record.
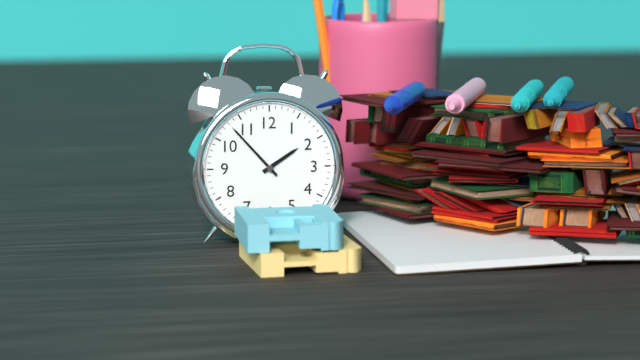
1:53
